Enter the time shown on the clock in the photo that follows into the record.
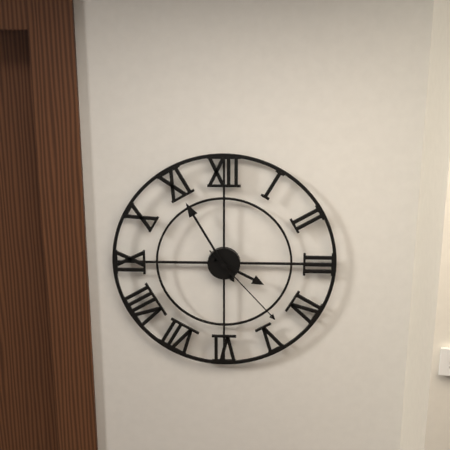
3:55:23
